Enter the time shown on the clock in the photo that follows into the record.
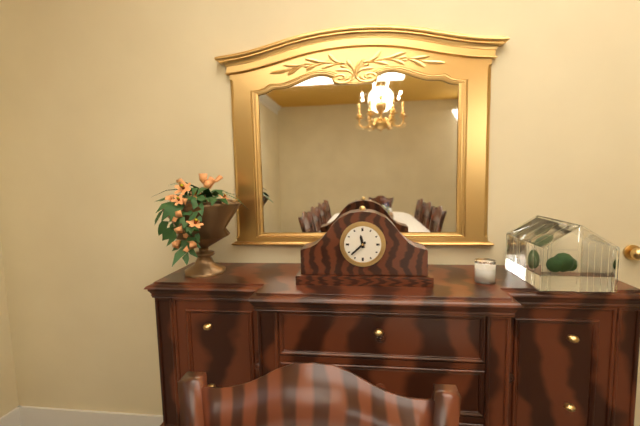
11:38
